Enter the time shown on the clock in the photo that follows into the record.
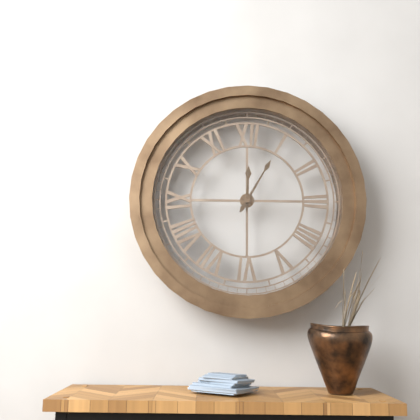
12:05
